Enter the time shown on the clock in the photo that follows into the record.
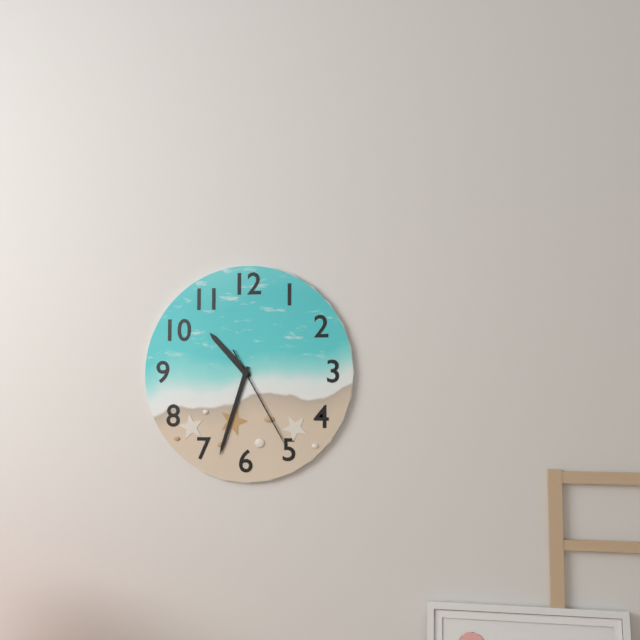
10:33:25
